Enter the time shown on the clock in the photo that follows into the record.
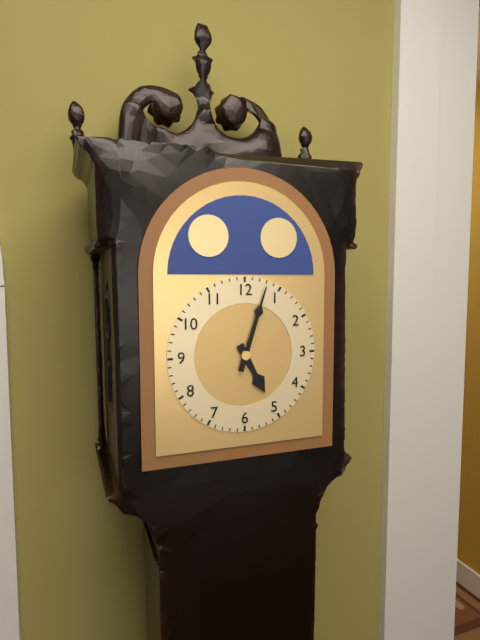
5:03
